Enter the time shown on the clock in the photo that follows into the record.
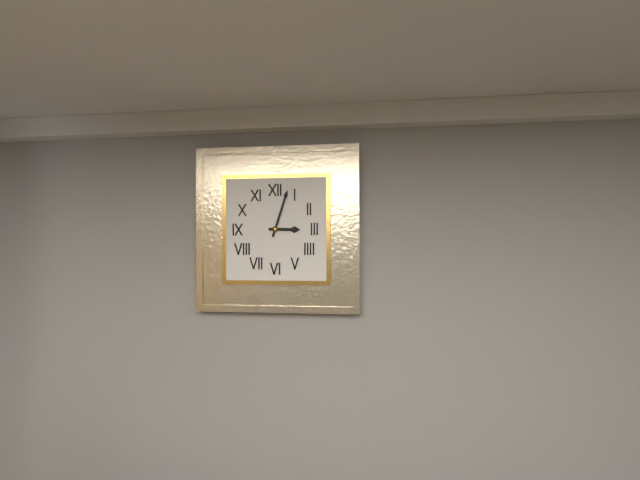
3:03
